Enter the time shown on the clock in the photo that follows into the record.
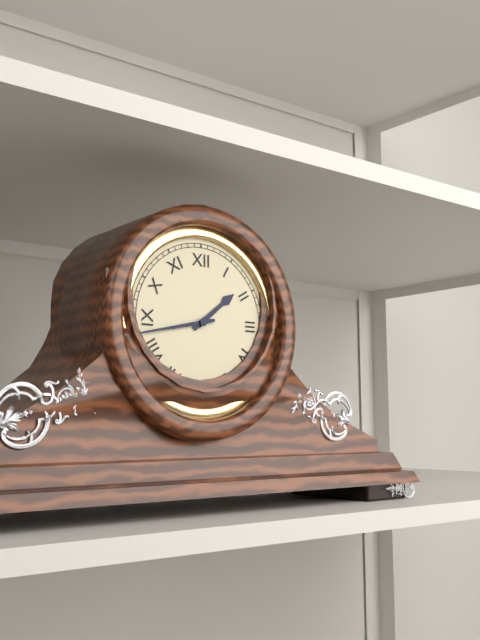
1:43
